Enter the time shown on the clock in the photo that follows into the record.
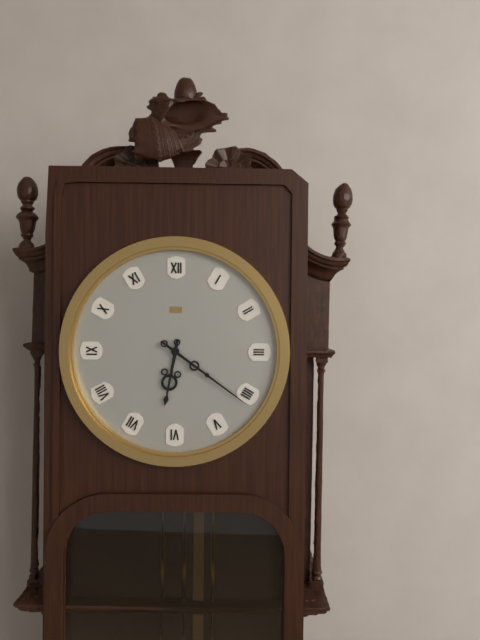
6:21
